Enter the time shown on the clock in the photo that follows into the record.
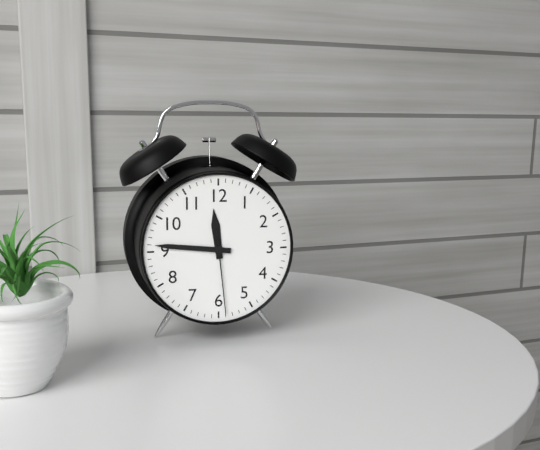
11:46:29
